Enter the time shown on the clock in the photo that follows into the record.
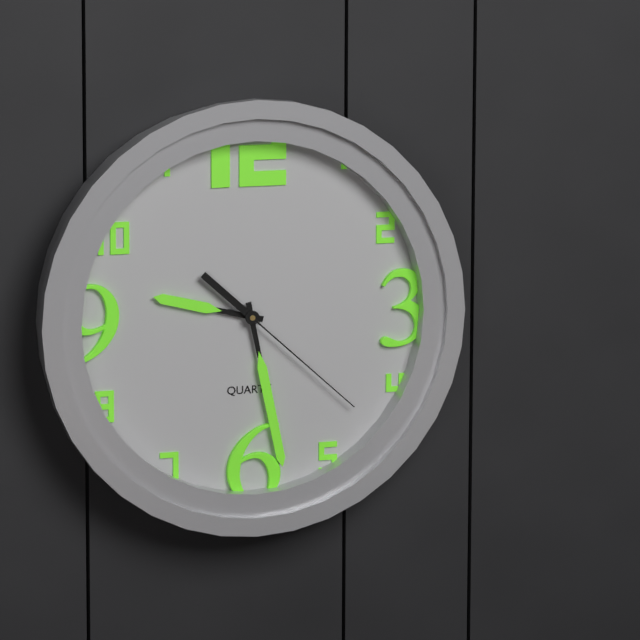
9:28:22
